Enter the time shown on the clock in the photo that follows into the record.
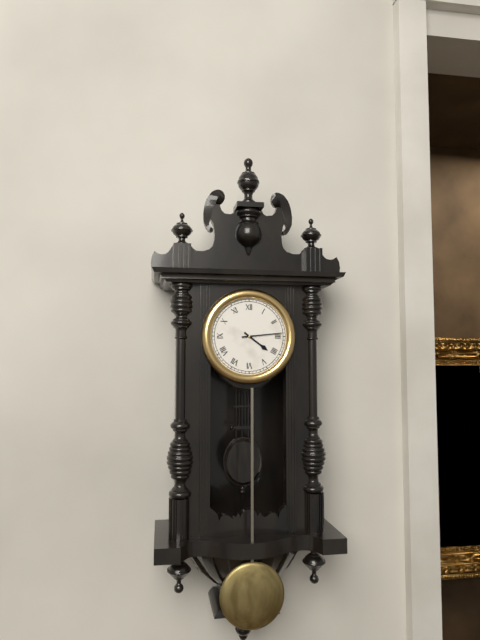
4:14
